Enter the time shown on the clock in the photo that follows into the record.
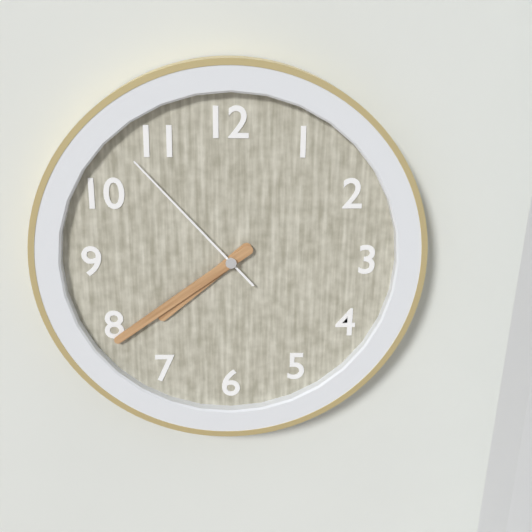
7:39:53
